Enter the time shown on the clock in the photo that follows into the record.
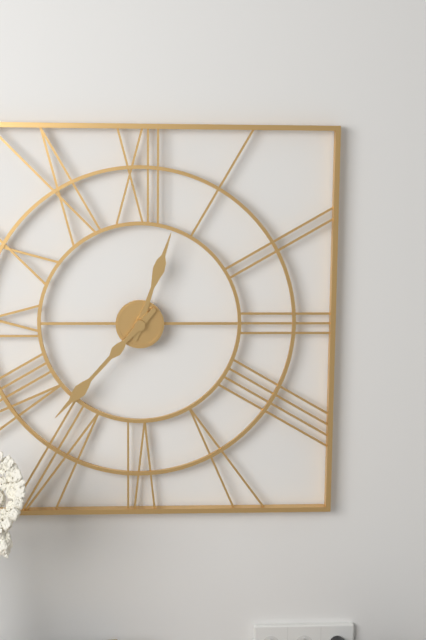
12:37
